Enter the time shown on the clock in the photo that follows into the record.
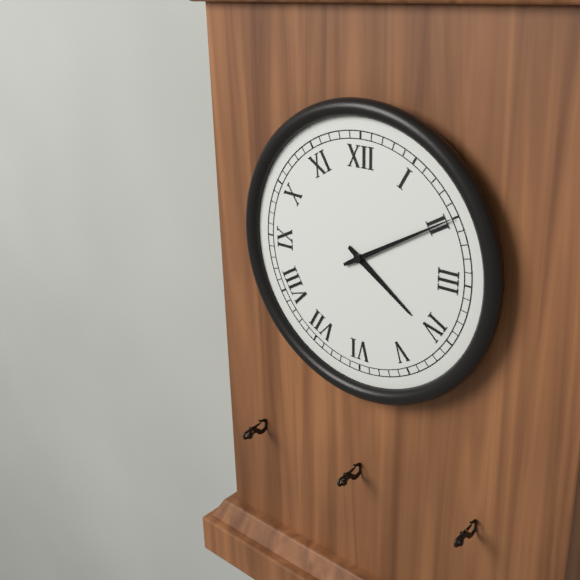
4:10
